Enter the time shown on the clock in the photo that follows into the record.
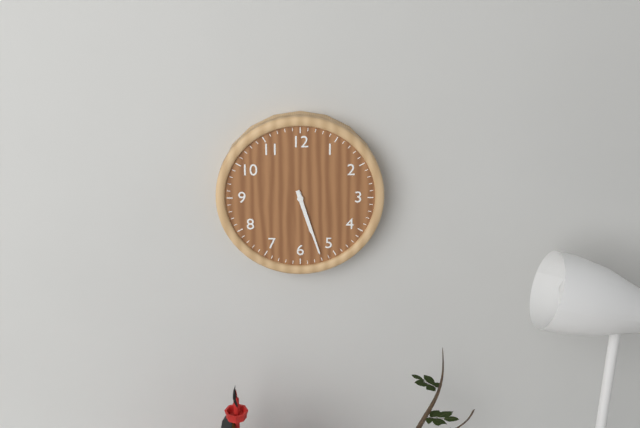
5:27
